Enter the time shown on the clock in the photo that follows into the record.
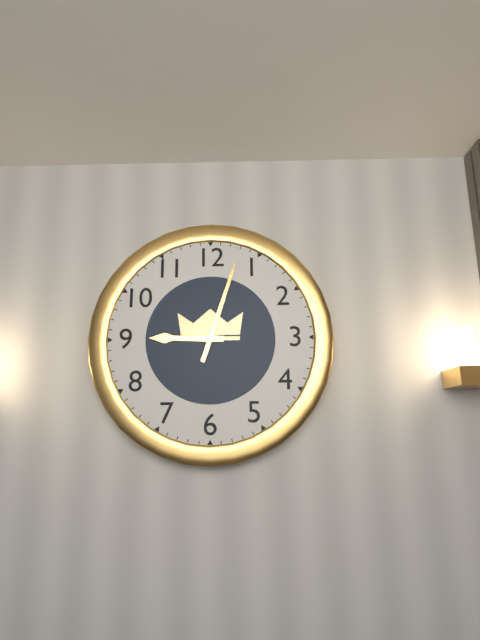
9:03
